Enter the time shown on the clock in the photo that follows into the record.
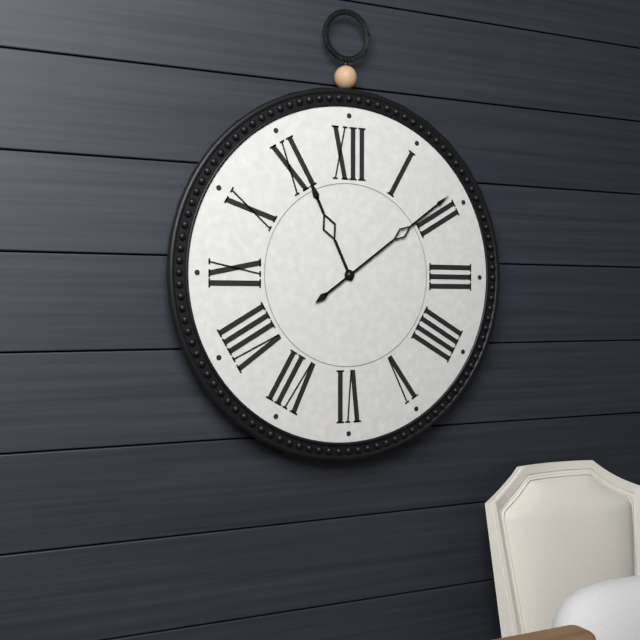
11:09
